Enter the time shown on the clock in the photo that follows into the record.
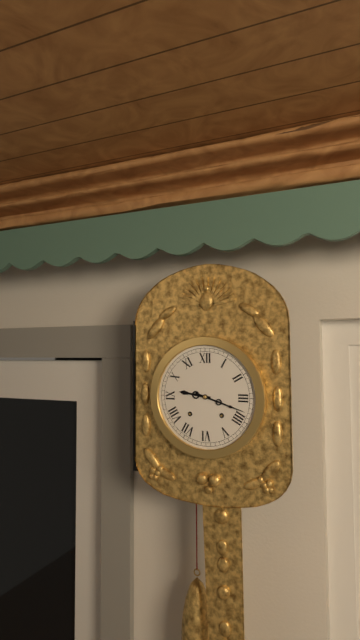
9:18
